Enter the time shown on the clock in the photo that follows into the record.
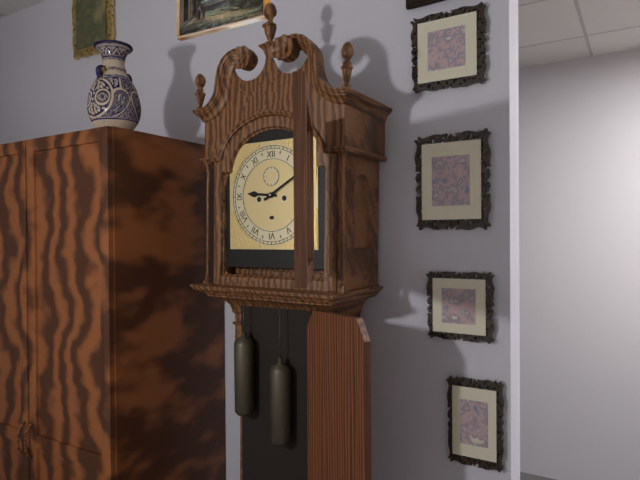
9:10
